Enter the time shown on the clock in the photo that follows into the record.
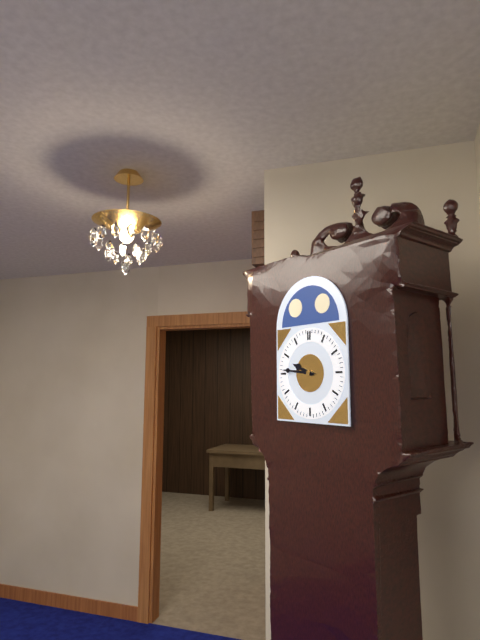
9:46
